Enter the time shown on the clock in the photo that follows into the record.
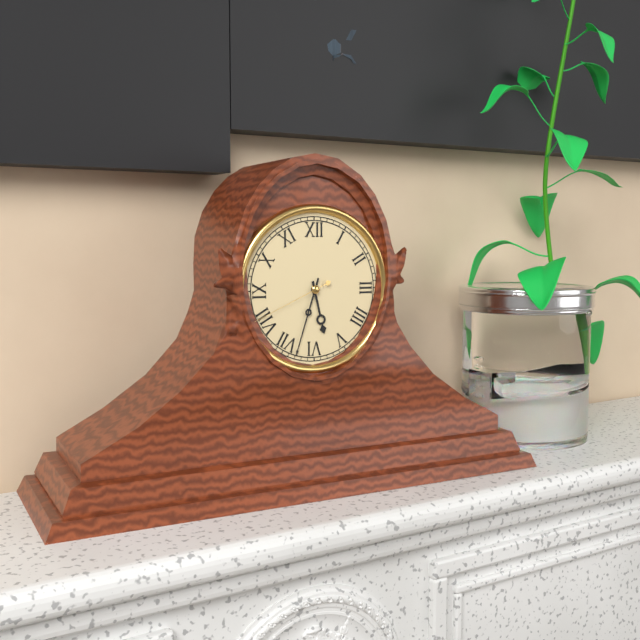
5:33:41
